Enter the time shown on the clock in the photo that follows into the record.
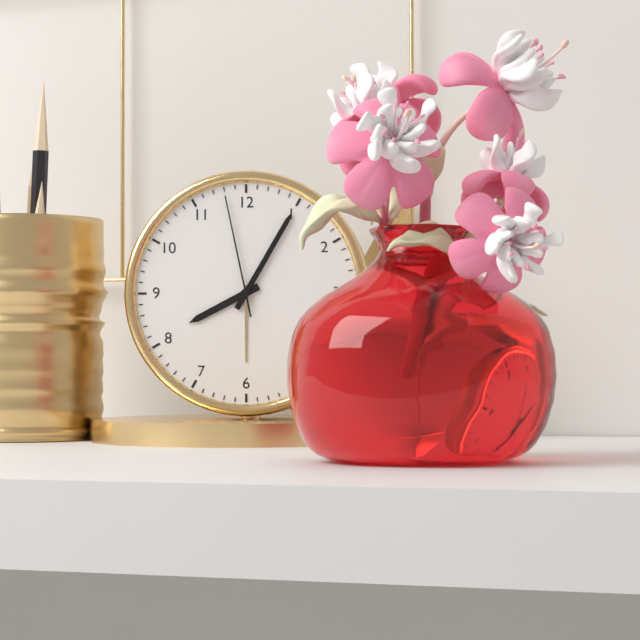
8:05:58
